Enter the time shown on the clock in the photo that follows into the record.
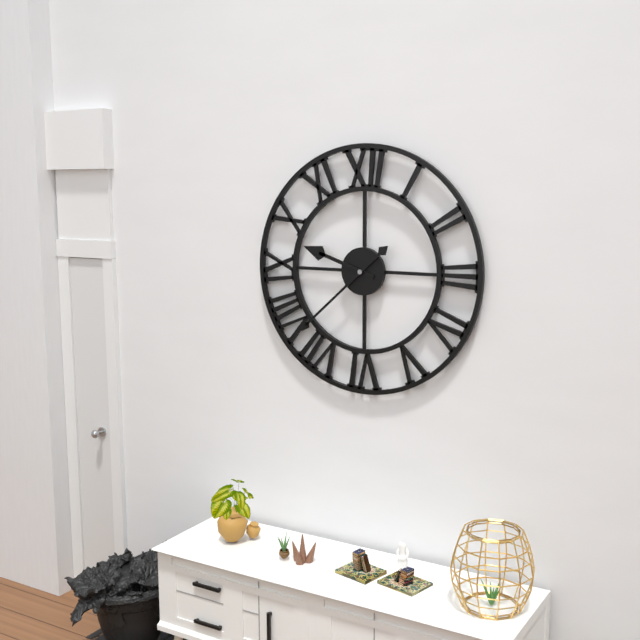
9:38
